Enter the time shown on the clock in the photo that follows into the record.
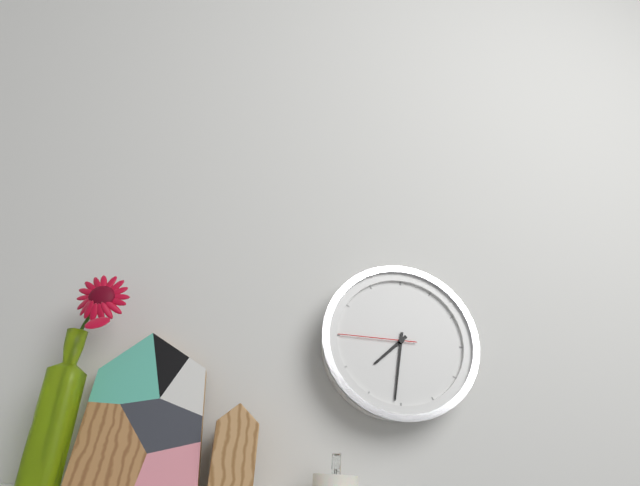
7:31:45
